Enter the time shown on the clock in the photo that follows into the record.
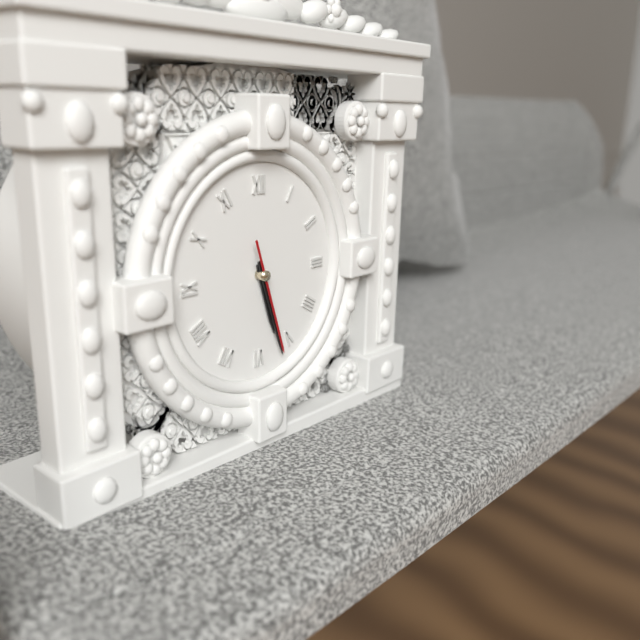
5:27:27
